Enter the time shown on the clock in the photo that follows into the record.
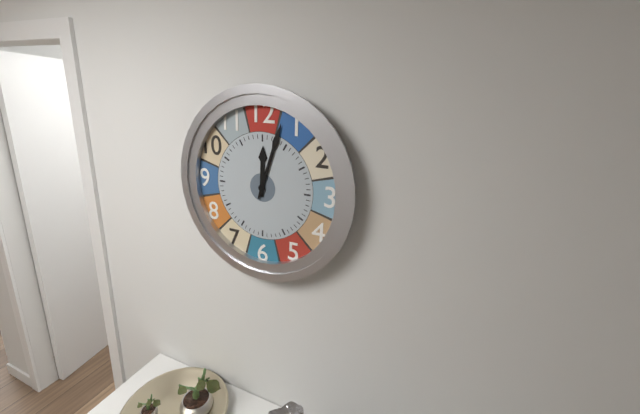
12:03
